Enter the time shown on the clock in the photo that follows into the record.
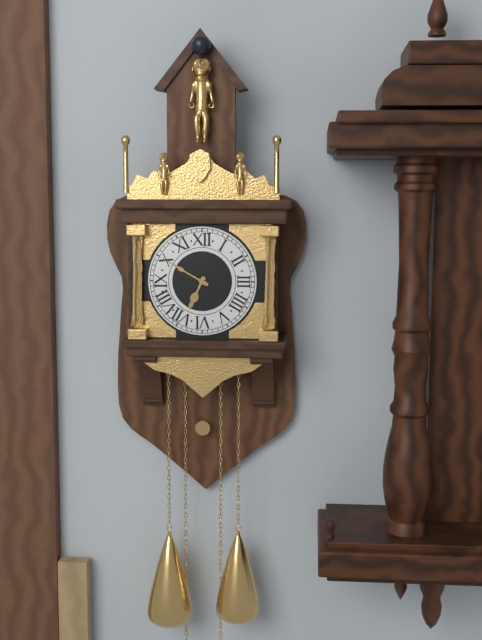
6:50
